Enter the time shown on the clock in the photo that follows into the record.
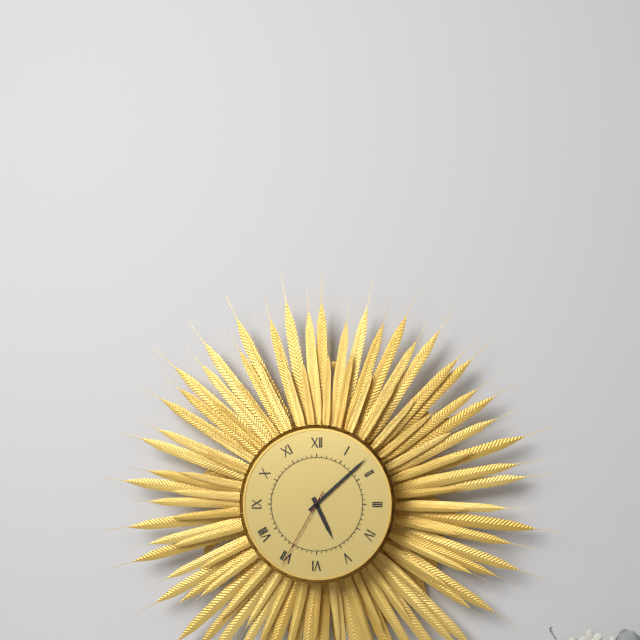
5:08:35
